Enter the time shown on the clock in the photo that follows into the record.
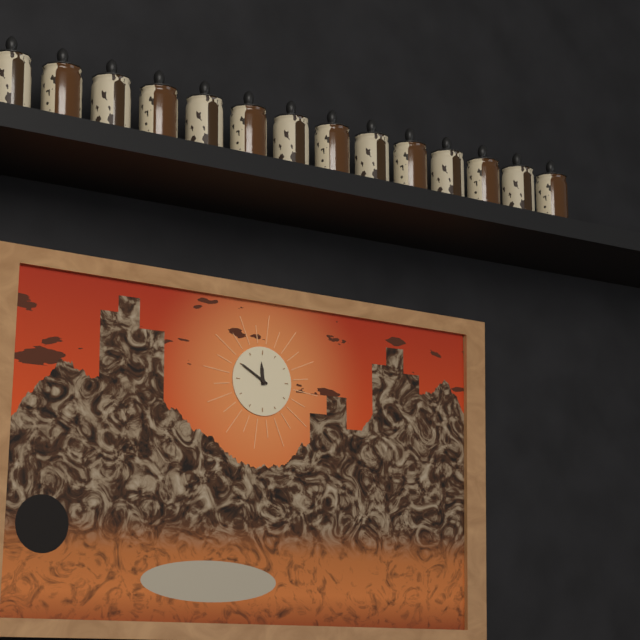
11:50
